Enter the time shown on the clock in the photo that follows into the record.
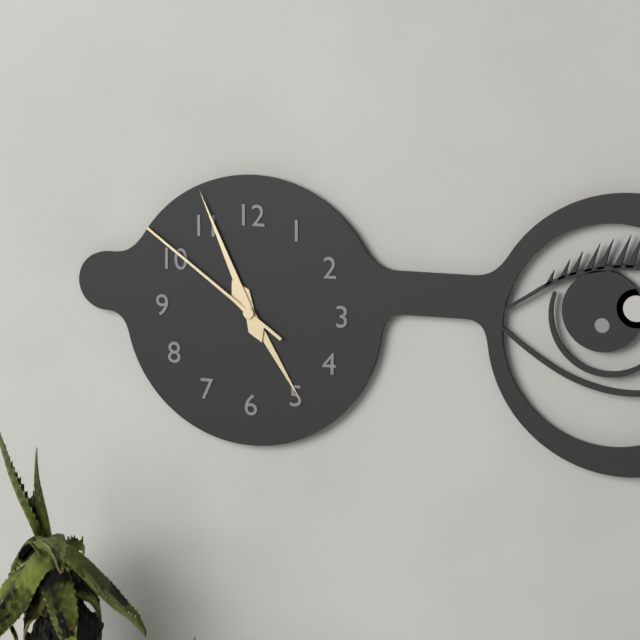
4:56:51
